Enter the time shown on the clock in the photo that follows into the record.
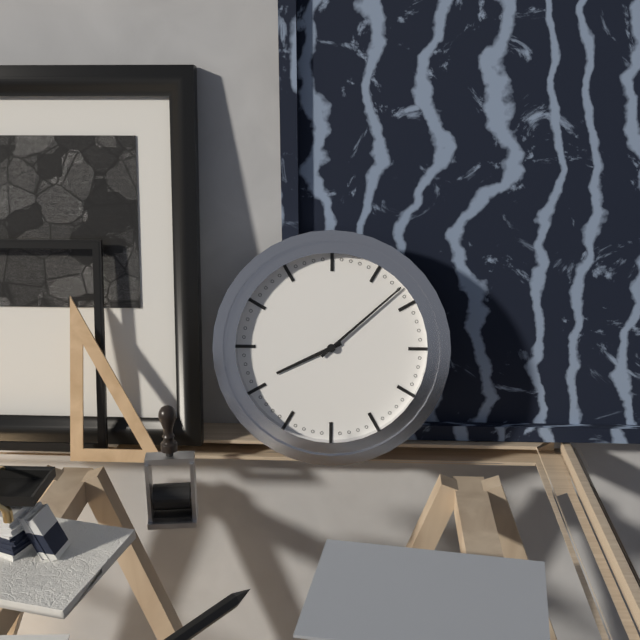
8:08
